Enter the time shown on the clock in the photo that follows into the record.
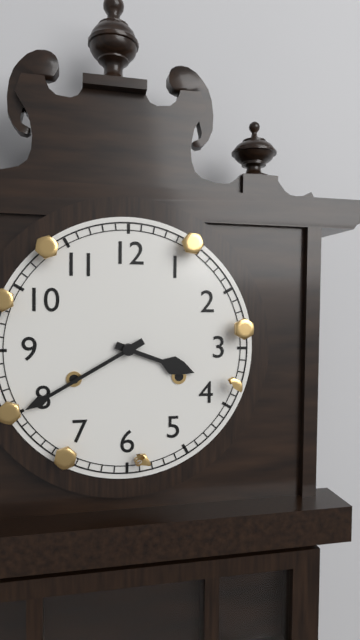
3:40
